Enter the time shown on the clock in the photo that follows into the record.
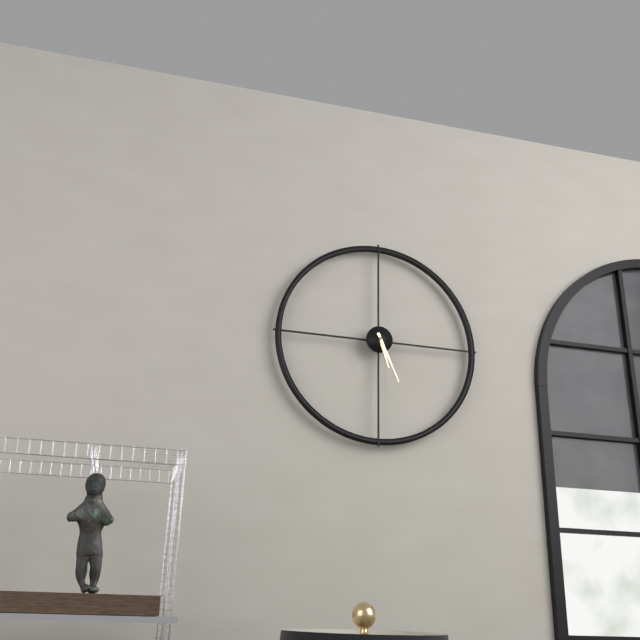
5:26
